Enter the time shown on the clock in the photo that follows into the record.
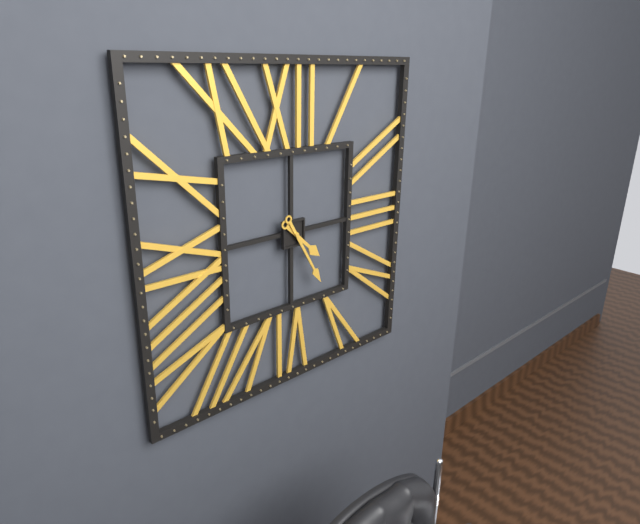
4:25
